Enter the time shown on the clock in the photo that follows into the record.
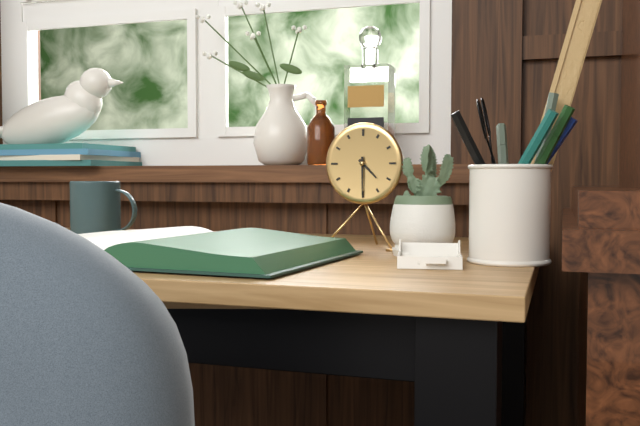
4:30
